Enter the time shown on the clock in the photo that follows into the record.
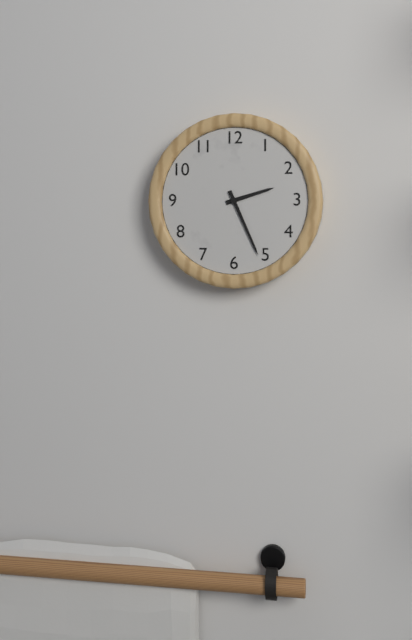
2:26
